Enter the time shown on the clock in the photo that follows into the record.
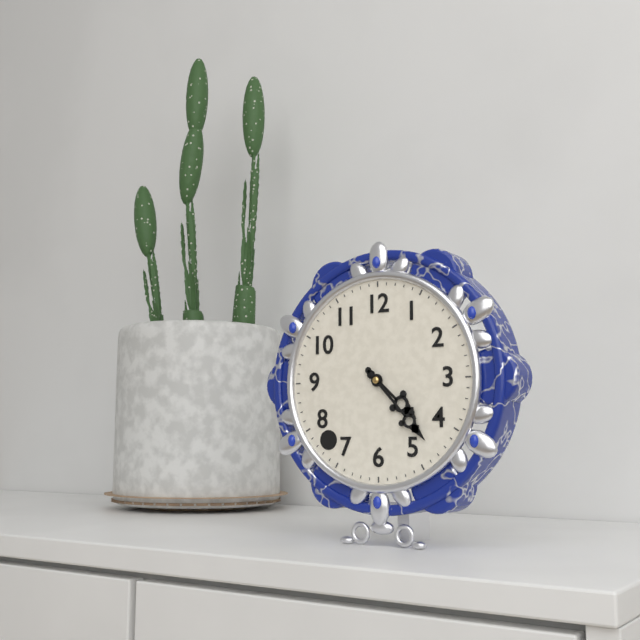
4:23
